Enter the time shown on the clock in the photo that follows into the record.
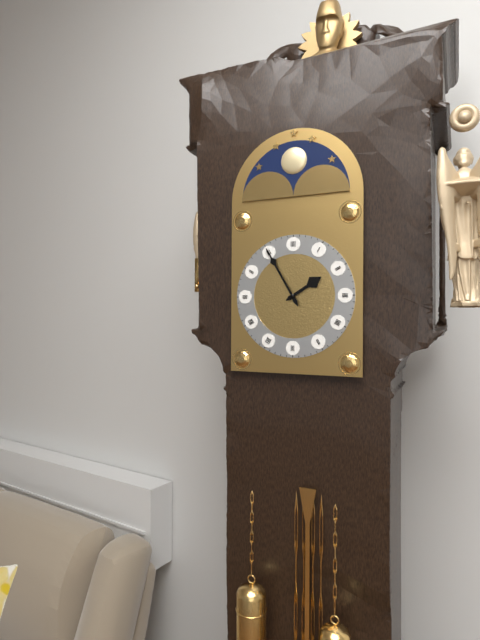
1:55
